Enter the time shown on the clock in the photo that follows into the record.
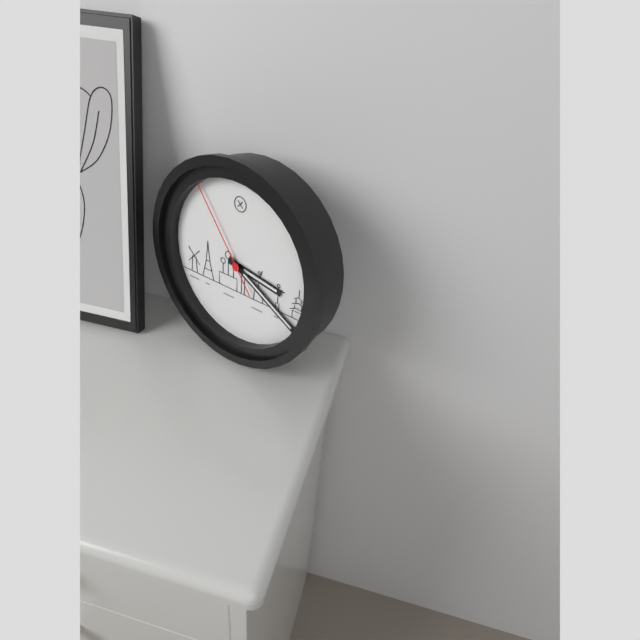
3:20:54
